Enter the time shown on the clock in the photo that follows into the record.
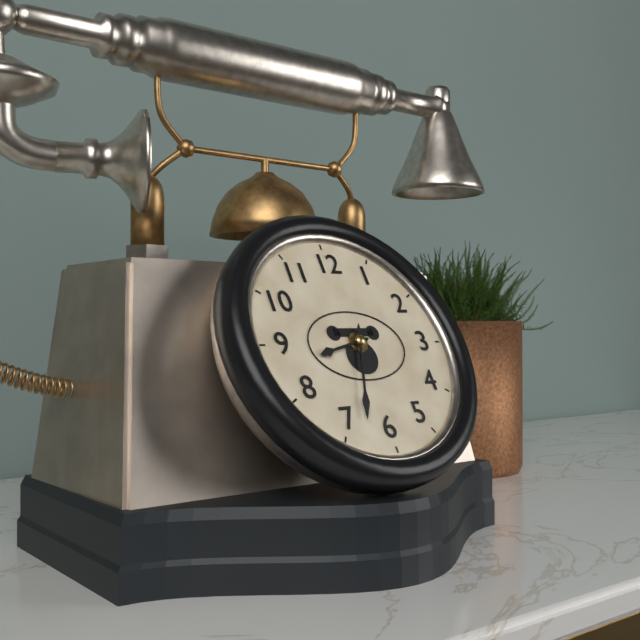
8:33
